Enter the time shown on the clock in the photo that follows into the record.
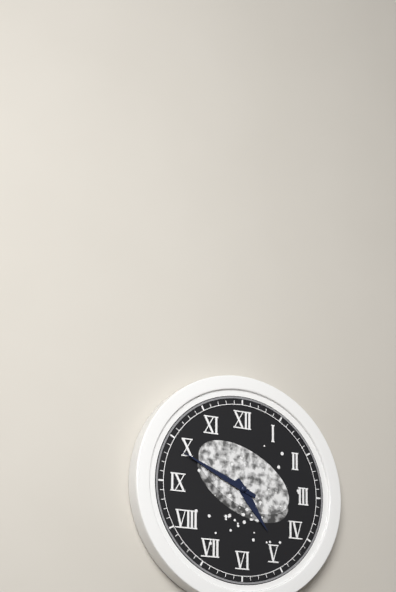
4:49
